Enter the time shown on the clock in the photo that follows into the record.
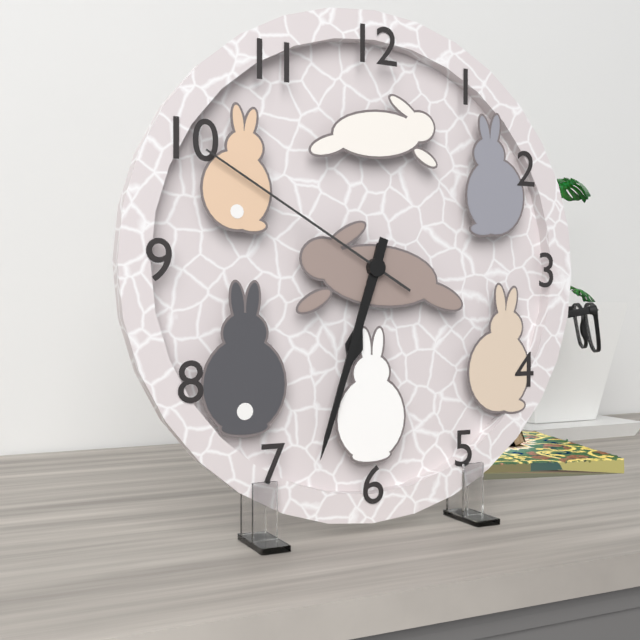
6:33:50
